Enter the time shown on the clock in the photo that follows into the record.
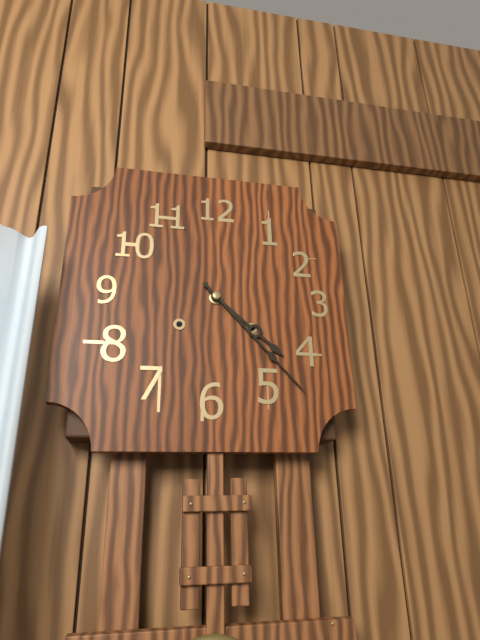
4:23
